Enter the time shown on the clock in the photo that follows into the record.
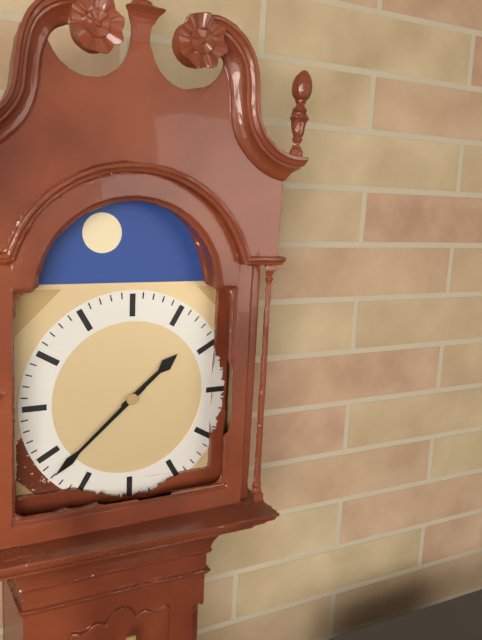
1:38
